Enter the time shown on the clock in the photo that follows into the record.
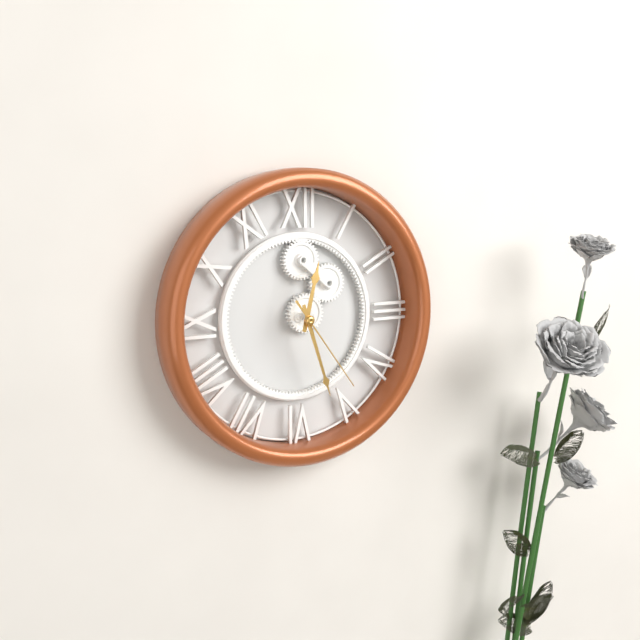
12:27:24
